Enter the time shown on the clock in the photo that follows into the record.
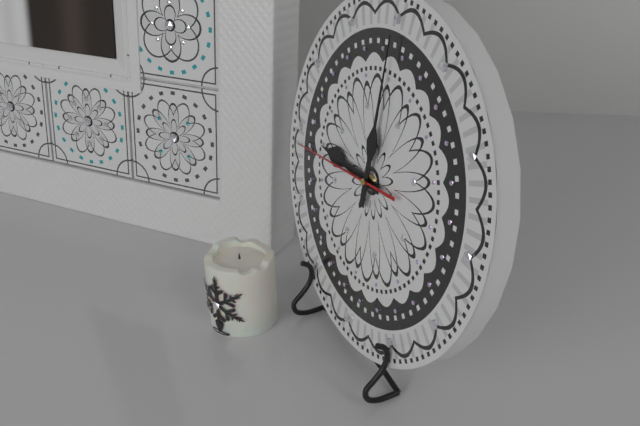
9:00:44
